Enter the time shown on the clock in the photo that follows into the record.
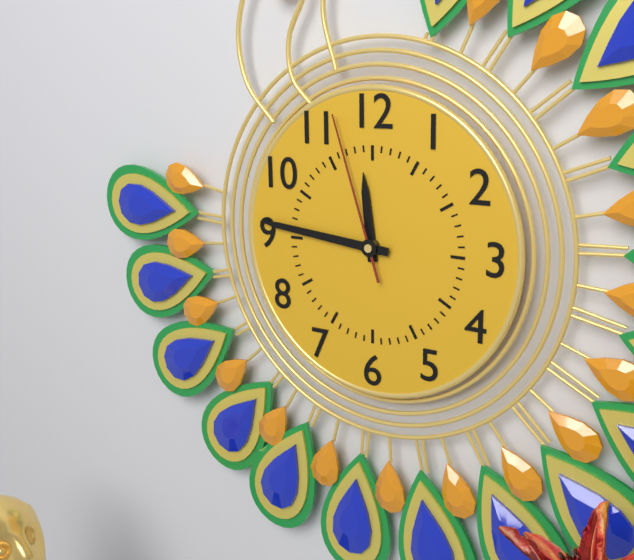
11:46:57
